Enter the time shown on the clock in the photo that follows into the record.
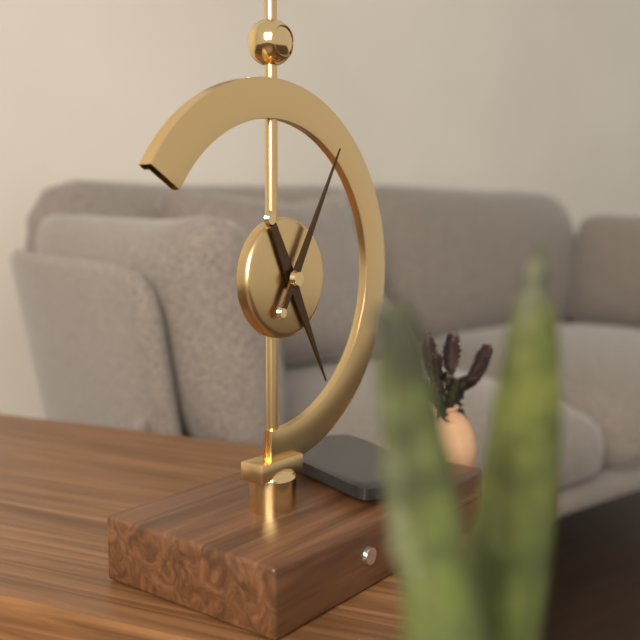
5:05
